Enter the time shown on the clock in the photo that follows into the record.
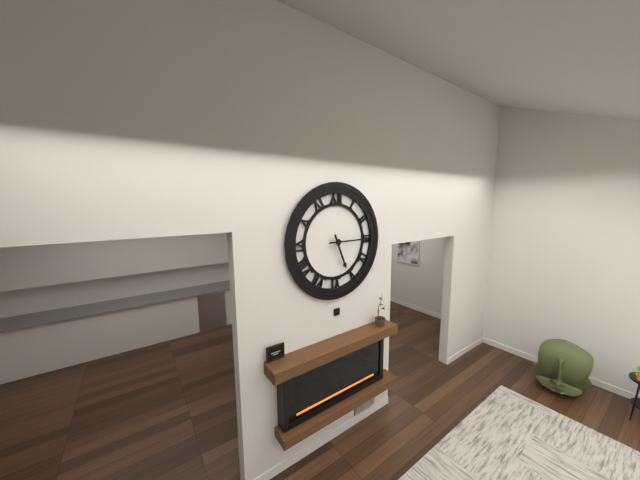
5:15
